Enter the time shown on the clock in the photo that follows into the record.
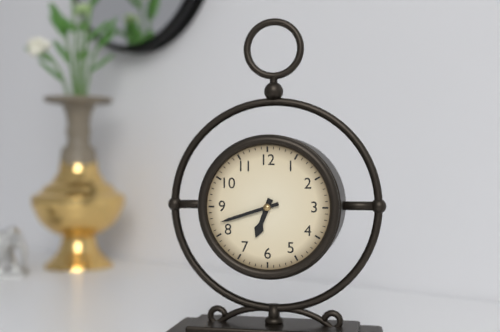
6:42
